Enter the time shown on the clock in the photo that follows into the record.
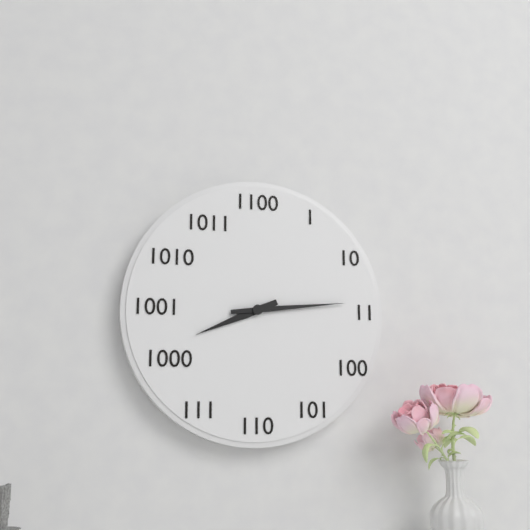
8:14
